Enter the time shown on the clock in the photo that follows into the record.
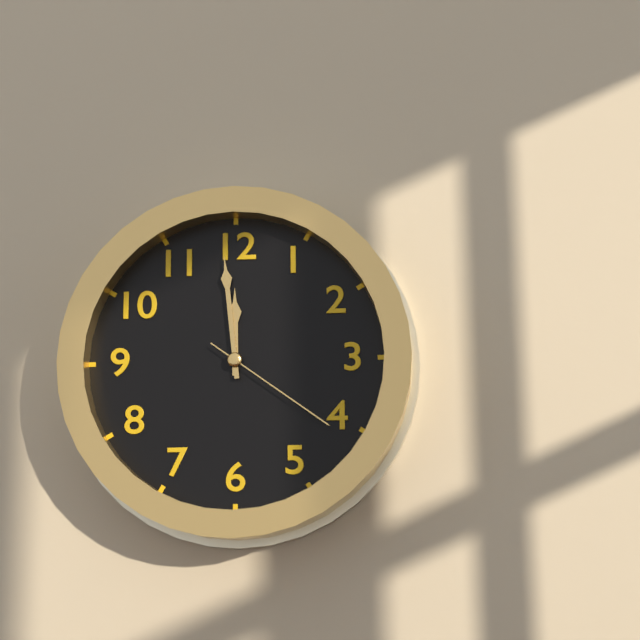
11:59:21
